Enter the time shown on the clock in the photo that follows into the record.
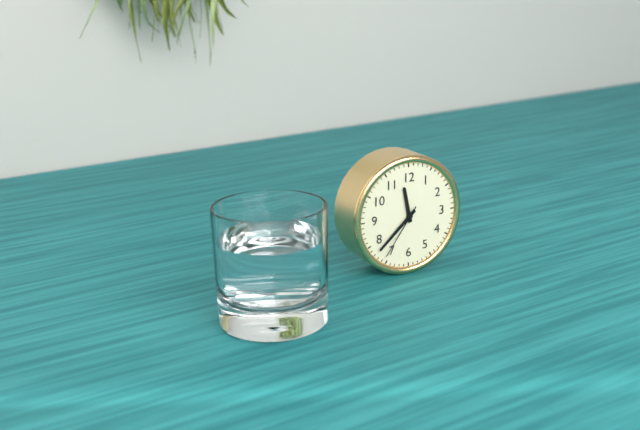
11:38:36
